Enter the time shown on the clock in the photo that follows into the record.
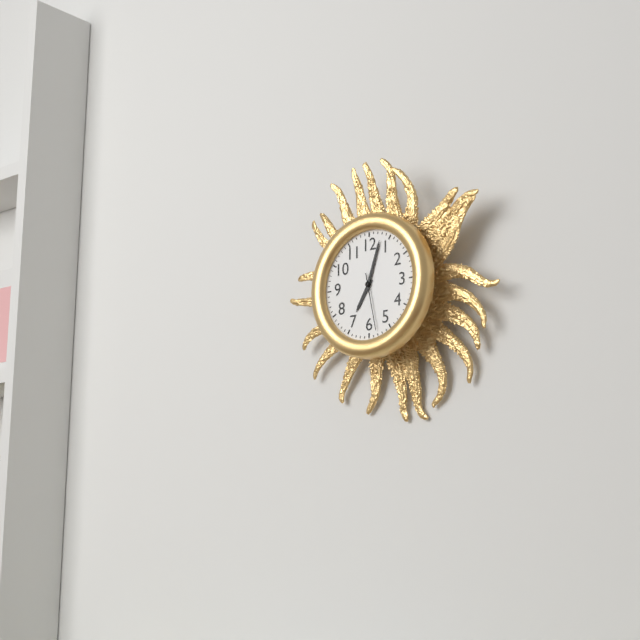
7:03:28
